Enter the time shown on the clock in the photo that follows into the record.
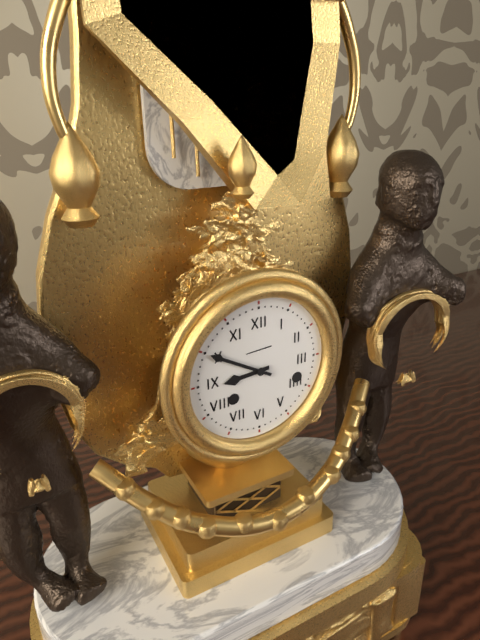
8:50
